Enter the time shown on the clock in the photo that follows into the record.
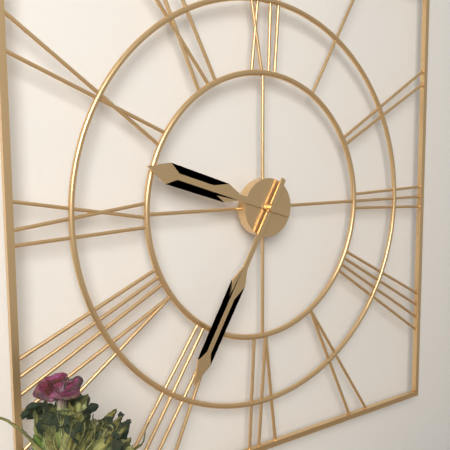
9:35
